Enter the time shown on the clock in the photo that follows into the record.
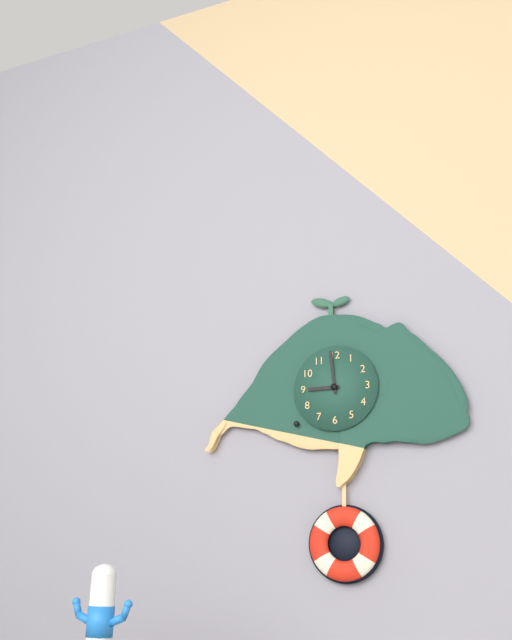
8:59
